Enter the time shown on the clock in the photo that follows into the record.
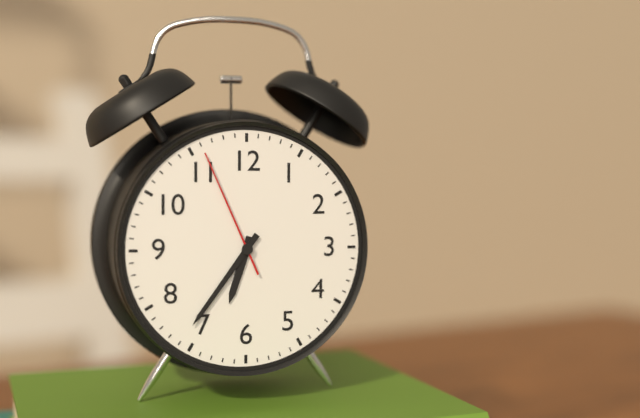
6:36:56
